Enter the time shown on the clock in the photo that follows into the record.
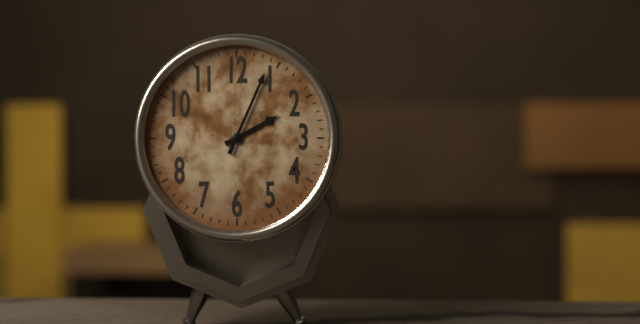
2:04
